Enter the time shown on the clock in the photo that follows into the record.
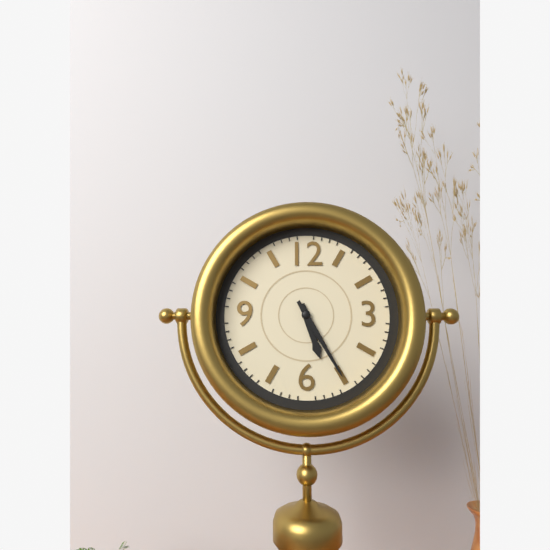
5:25
